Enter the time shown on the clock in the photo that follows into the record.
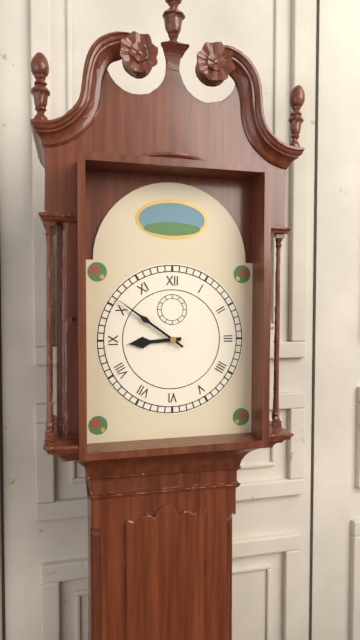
8:51
